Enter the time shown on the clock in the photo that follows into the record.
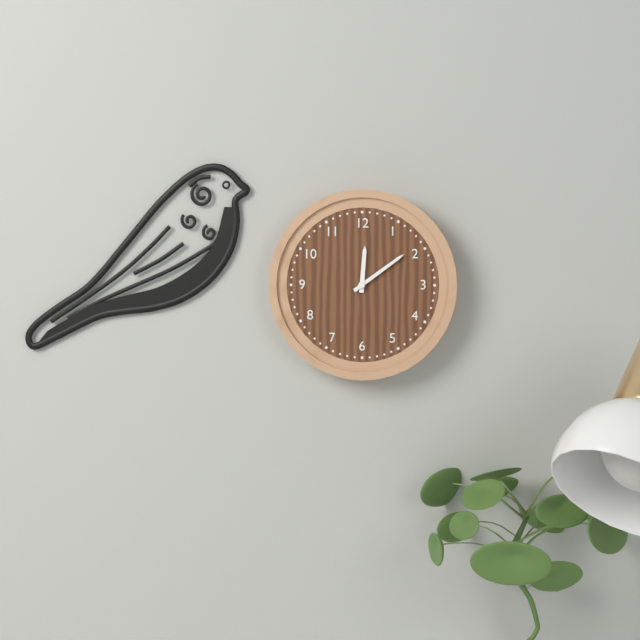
12:09
